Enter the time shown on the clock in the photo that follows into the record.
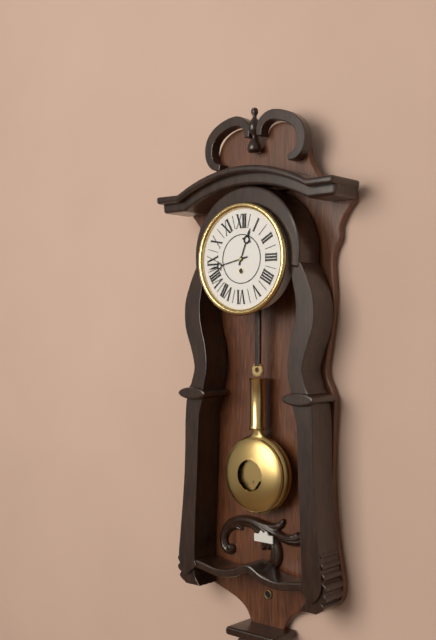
12:43
